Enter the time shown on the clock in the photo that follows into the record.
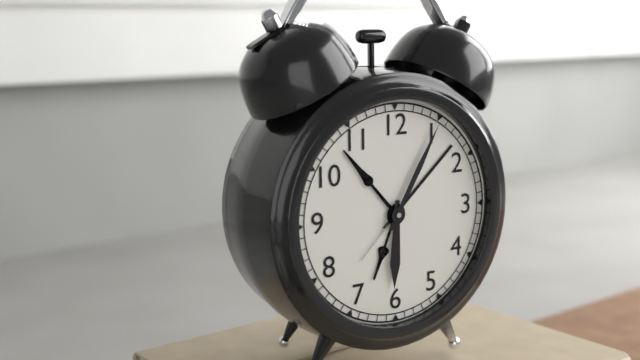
6:05
